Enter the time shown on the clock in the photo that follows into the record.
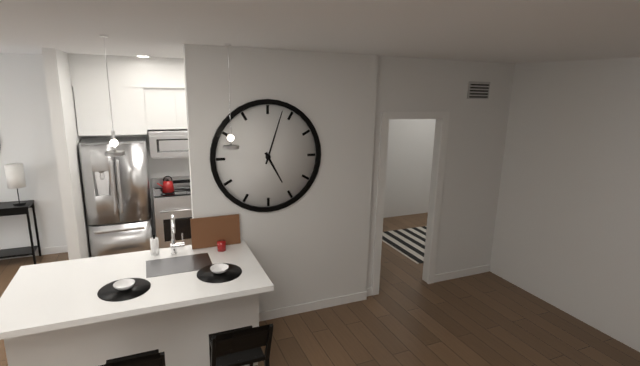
5:03
